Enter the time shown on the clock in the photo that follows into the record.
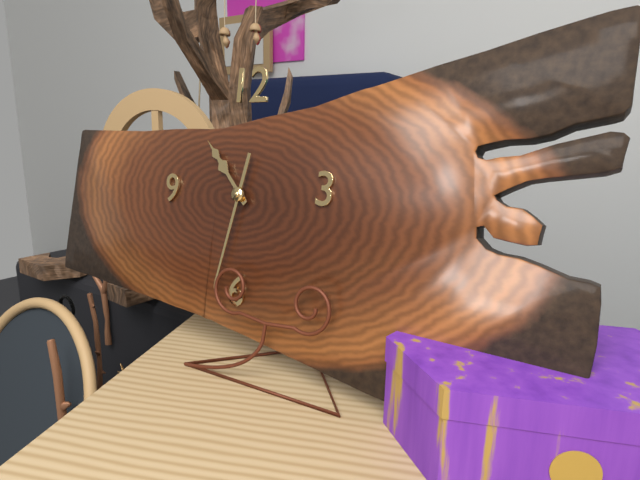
10:32
